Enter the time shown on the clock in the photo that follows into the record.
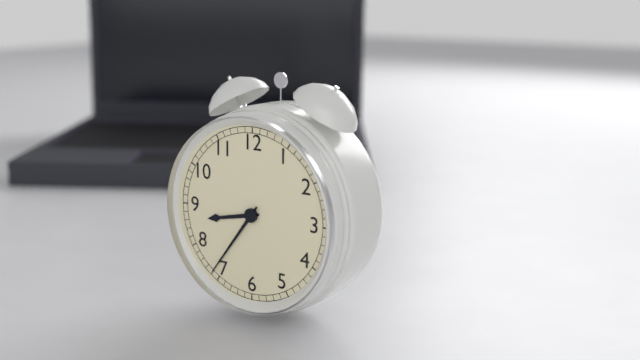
8:36
